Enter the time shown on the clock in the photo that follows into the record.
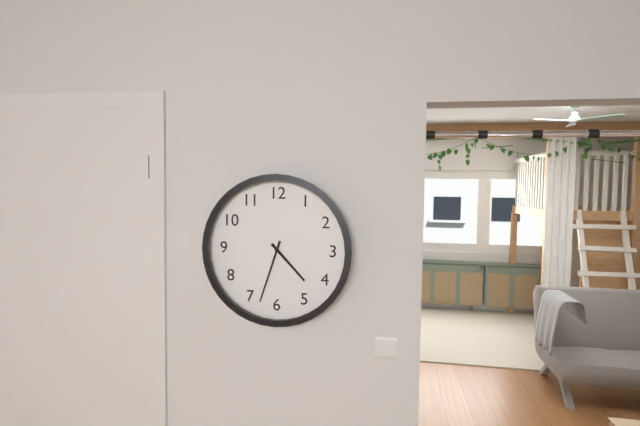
4:33
